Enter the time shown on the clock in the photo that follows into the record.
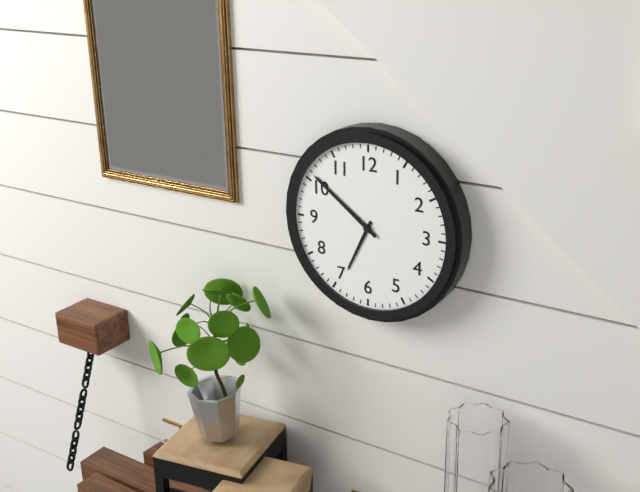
6:51
